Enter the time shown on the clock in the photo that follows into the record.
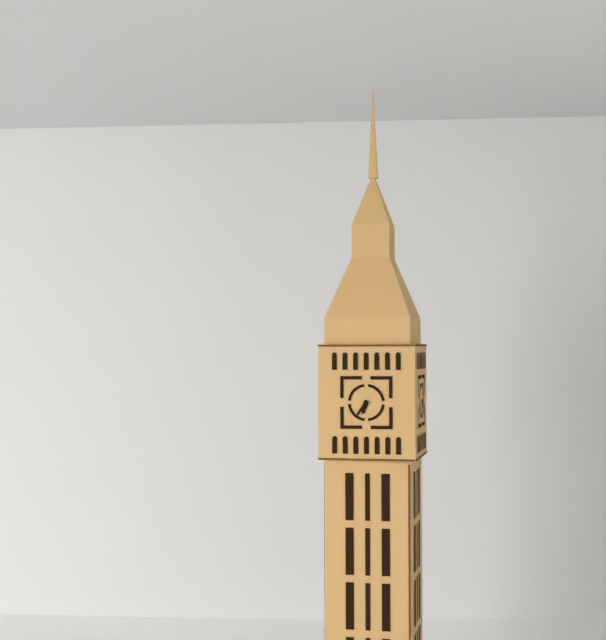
6:36
